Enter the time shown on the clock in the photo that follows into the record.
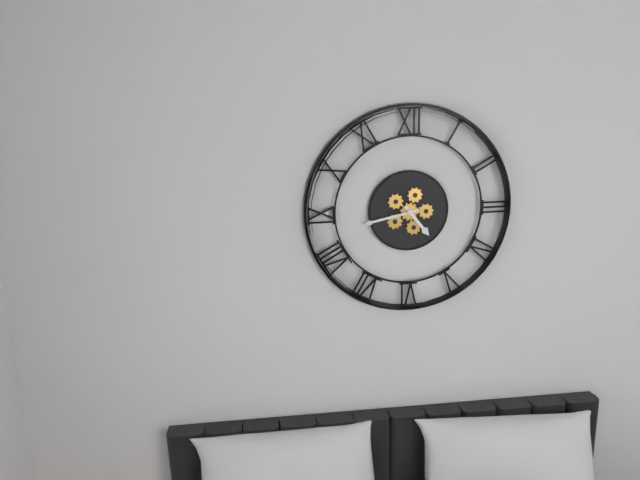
4:43
